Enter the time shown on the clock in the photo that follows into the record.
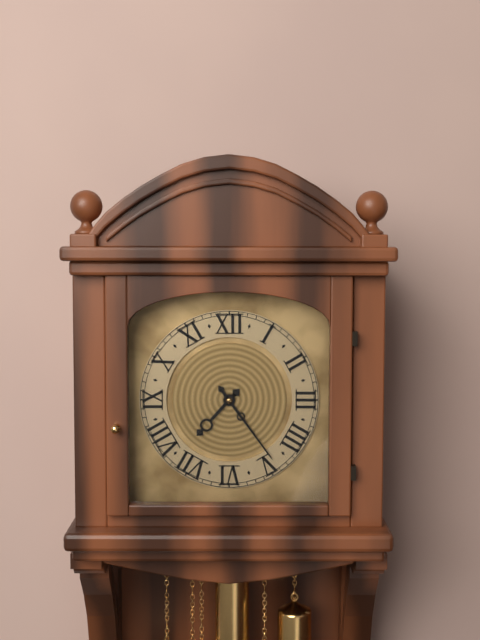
7:24
